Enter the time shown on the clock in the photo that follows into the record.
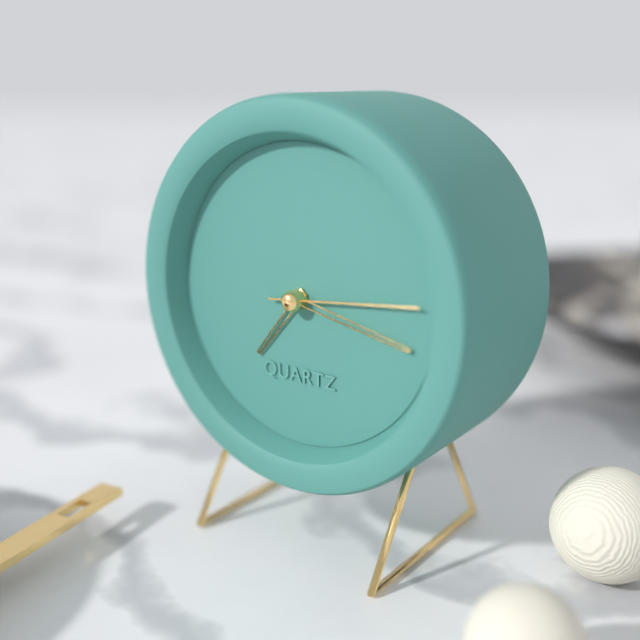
7:17:14
